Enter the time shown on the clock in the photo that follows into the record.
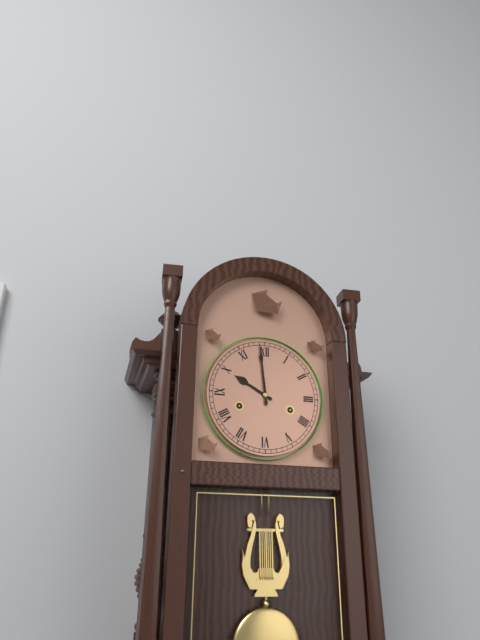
9:59
